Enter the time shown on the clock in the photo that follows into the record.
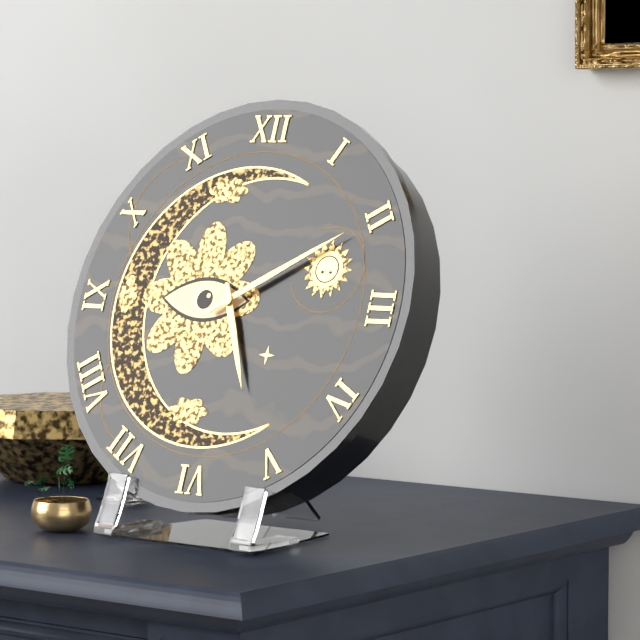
5:10
